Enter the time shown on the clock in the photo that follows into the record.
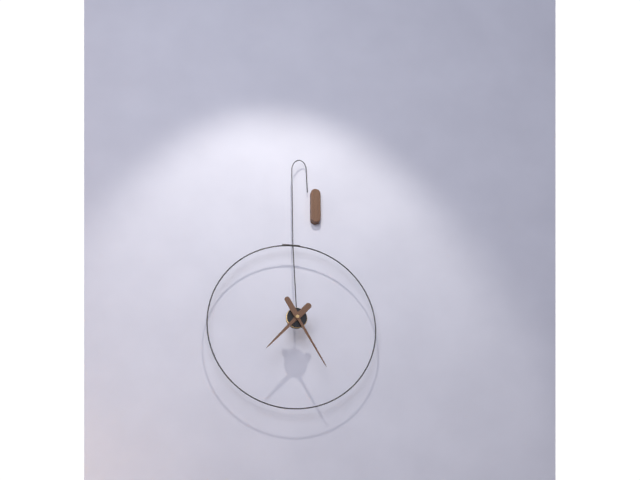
7:25
